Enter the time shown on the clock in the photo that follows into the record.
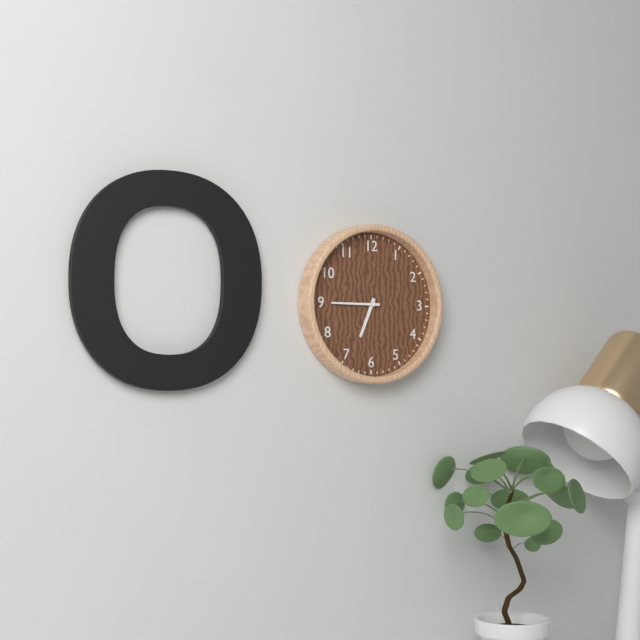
6:45
